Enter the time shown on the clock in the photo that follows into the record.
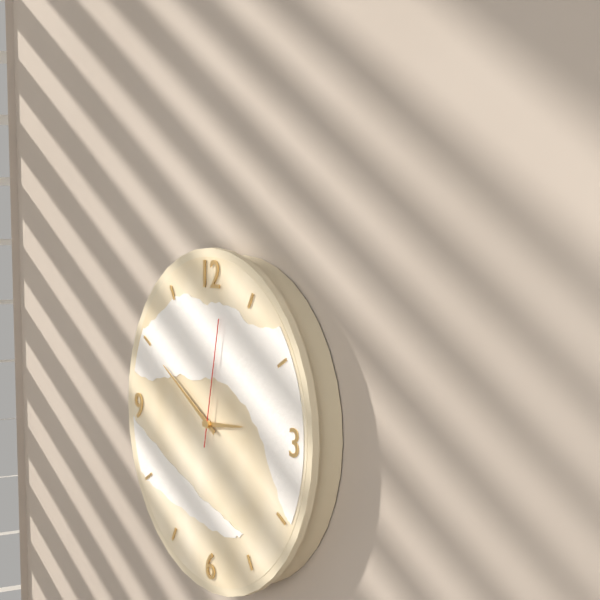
2:50:02
